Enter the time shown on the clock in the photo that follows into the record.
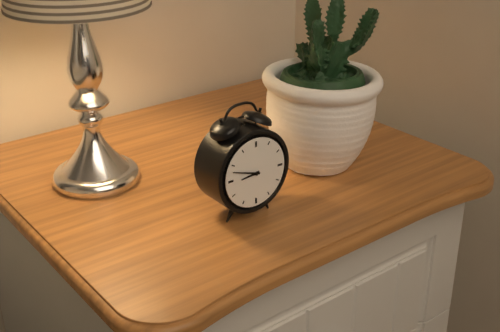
8:48
